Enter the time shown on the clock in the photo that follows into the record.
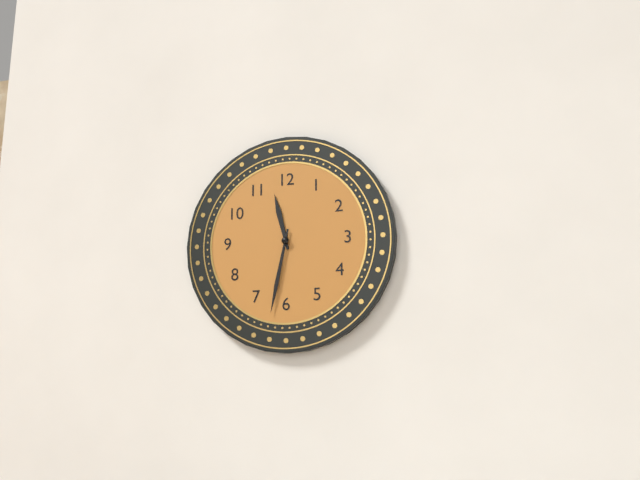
11:32
